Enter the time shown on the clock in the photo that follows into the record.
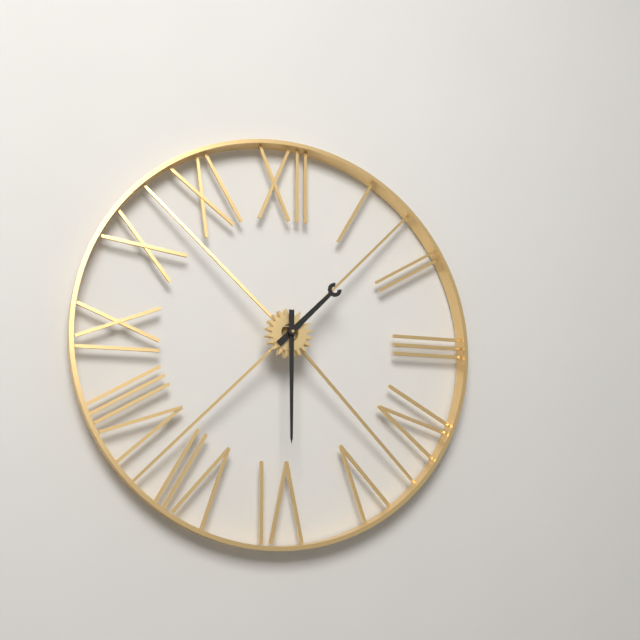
1:30
